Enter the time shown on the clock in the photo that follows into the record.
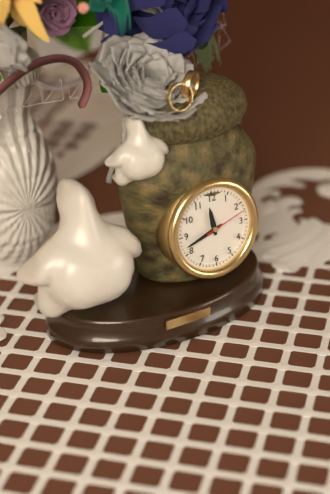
11:42
